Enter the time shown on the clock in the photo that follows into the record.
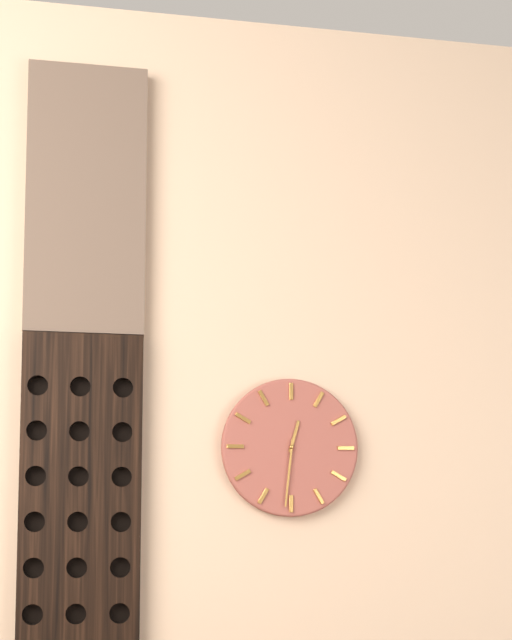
12:31
